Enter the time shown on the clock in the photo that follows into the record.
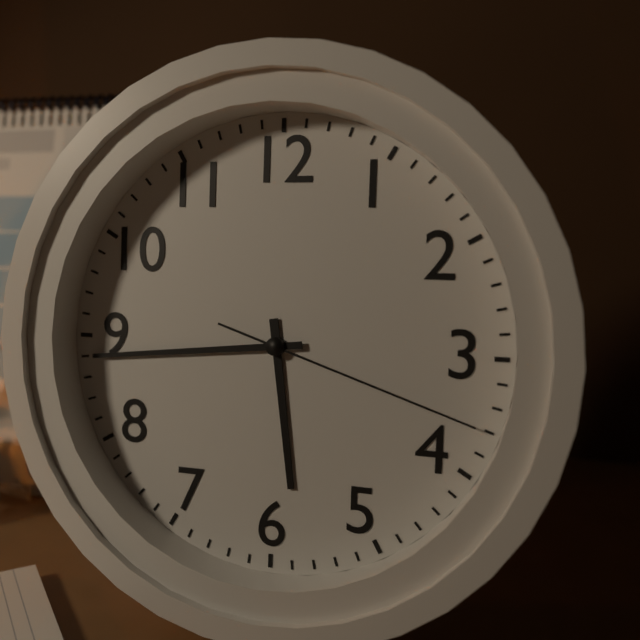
5:44:18
